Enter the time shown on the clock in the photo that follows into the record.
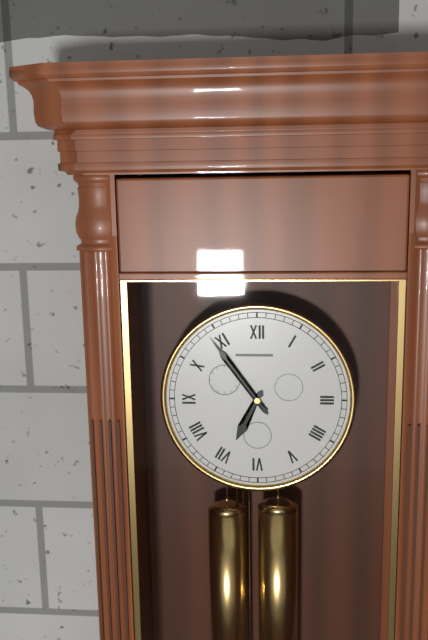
6:54
